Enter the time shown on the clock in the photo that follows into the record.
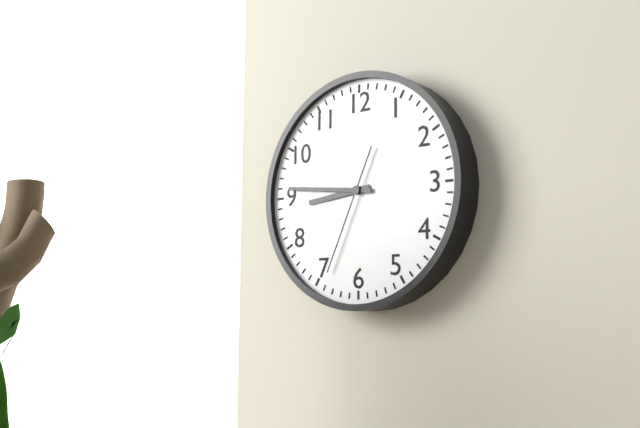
8:46:34
